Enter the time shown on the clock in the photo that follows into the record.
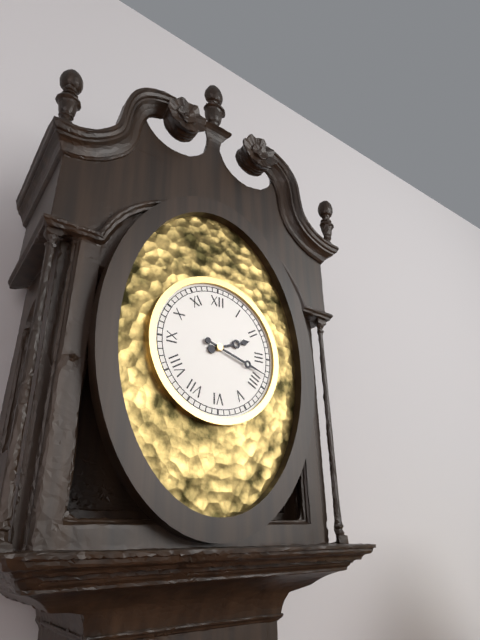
2:18
